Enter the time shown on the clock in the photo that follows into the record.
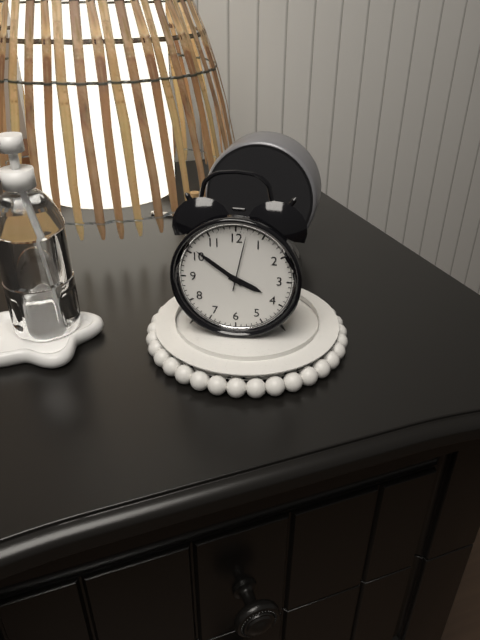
3:51:02
